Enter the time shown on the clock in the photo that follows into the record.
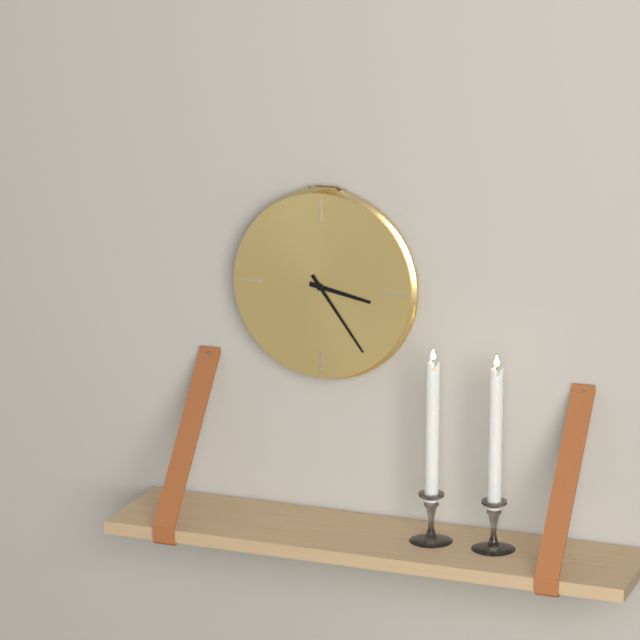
3:24
